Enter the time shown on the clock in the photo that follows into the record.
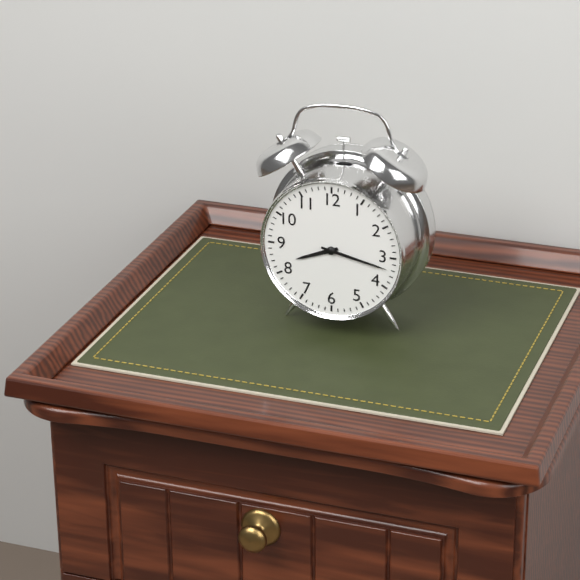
8:17
